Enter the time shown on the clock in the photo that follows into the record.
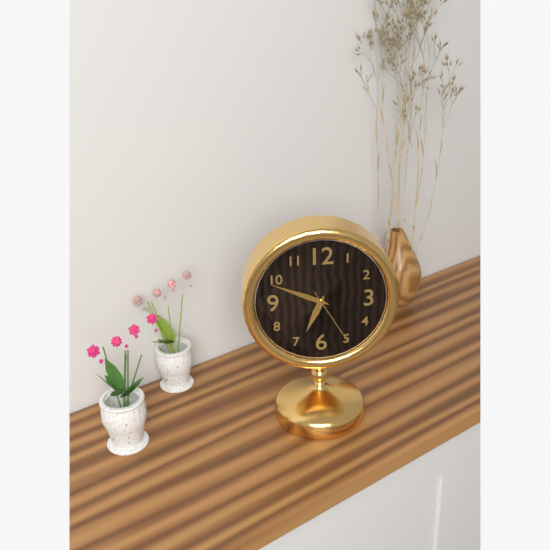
6:49:25
